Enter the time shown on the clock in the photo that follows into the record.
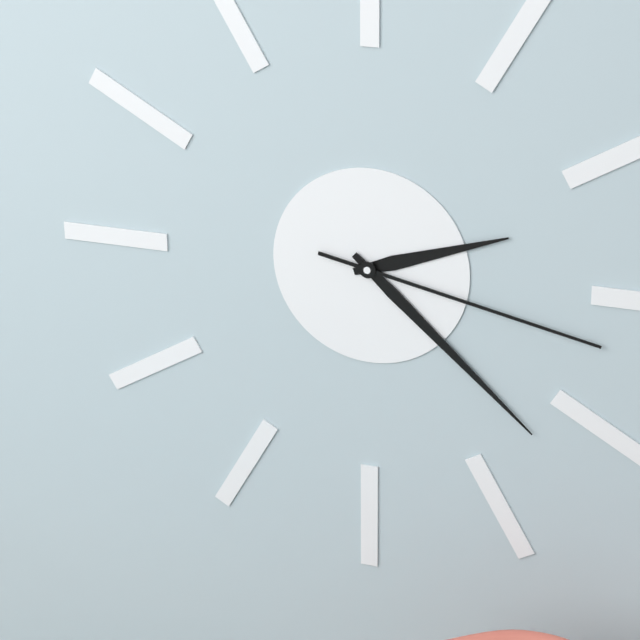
2:22:17
